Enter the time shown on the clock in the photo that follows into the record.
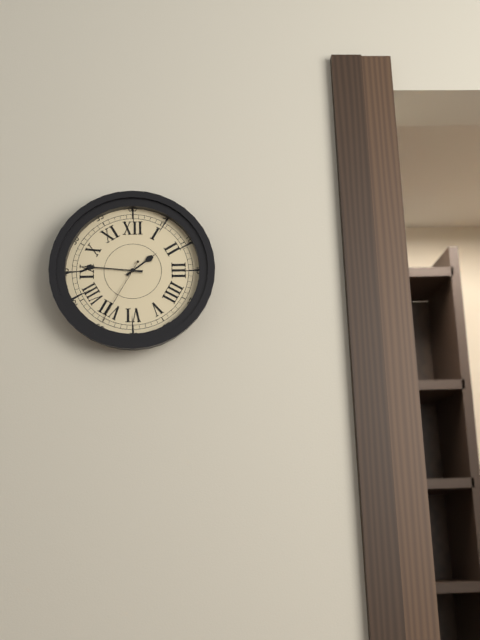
1:46:35
